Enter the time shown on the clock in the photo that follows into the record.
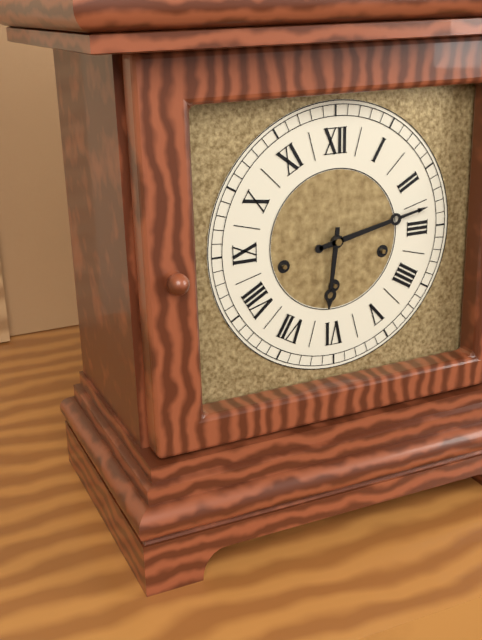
6:13
